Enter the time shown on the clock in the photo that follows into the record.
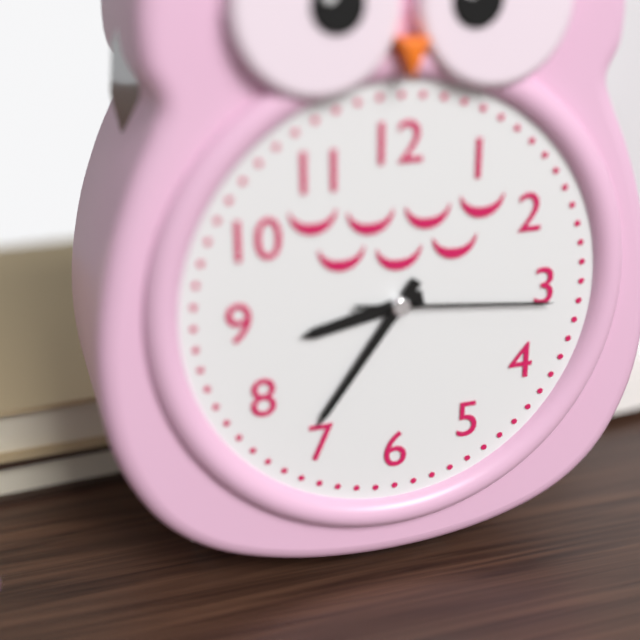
8:36:16
